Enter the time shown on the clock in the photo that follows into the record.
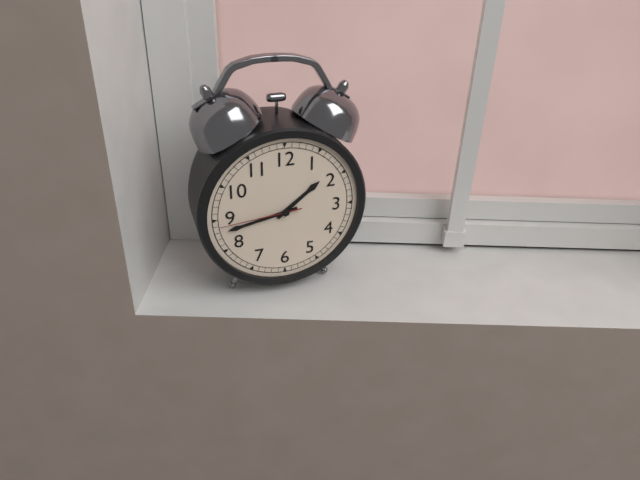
1:43:44
